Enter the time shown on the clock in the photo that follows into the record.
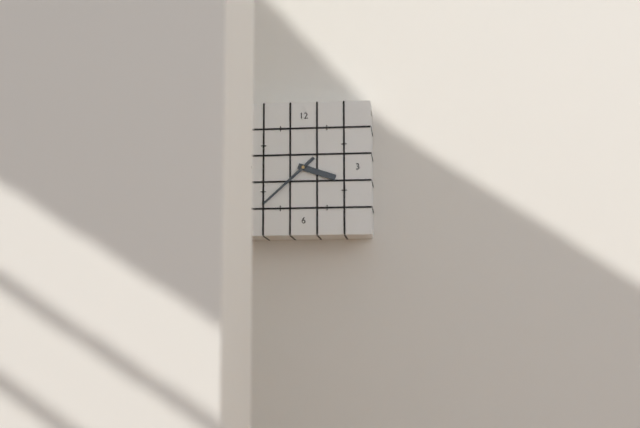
3:38
